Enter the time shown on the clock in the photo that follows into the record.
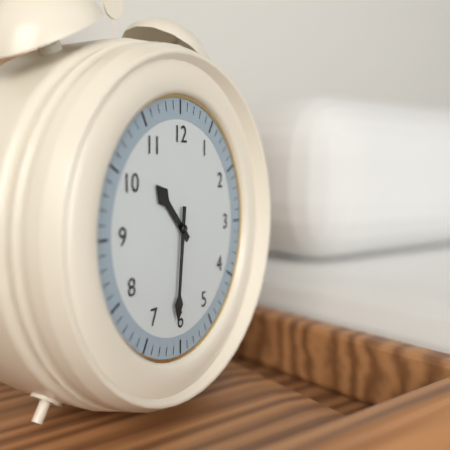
10:31
